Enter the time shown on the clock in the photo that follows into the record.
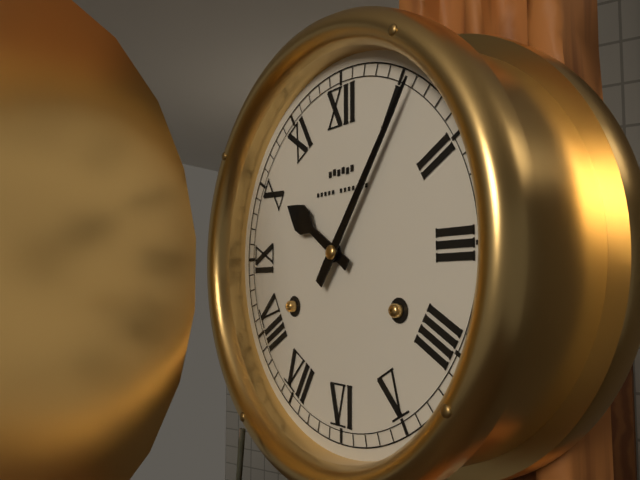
10:06
